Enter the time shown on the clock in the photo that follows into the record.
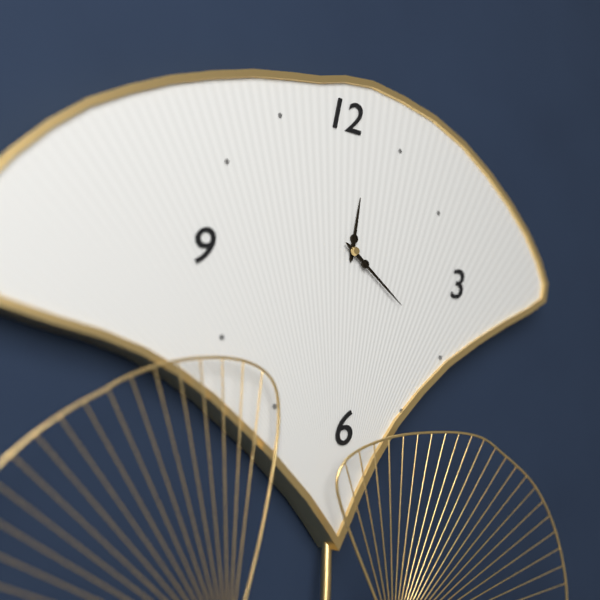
12:21
